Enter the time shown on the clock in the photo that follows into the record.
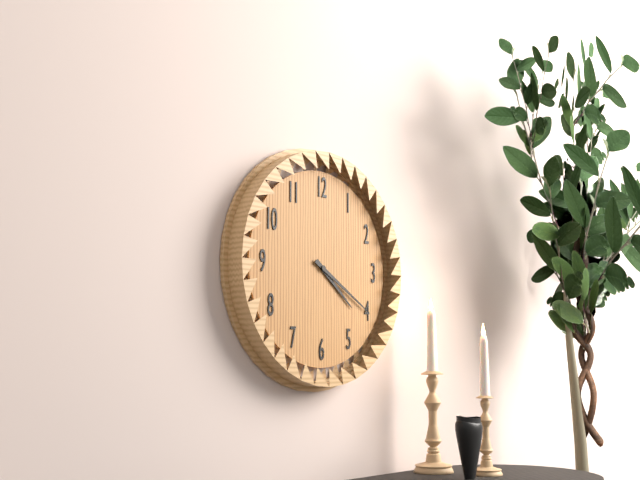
4:20
